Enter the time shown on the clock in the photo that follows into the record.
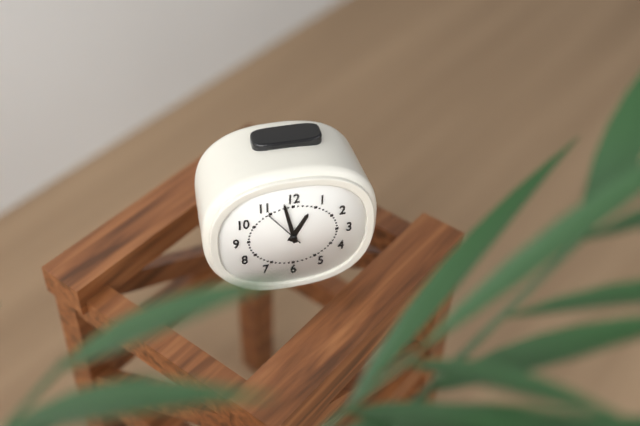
12:58
